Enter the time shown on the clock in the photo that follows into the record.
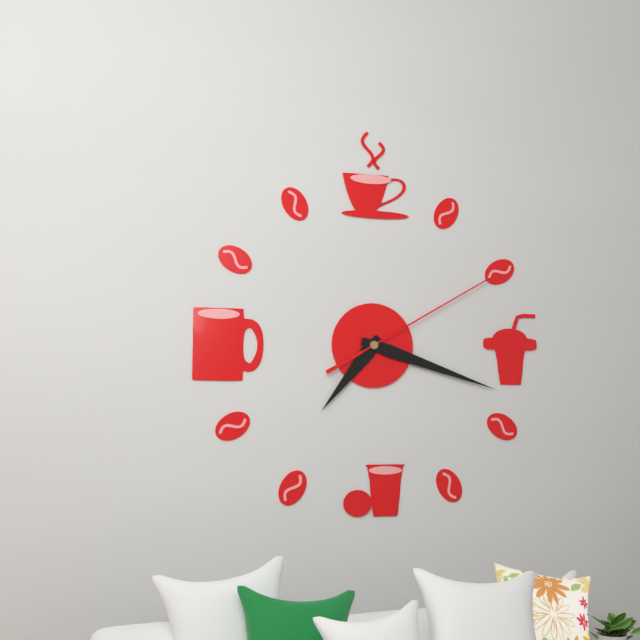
7:18:10
